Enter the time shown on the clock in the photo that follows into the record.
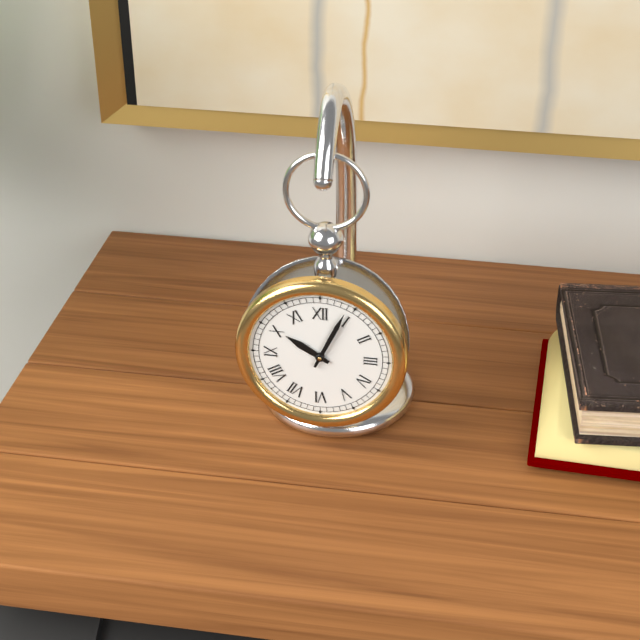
10:04
